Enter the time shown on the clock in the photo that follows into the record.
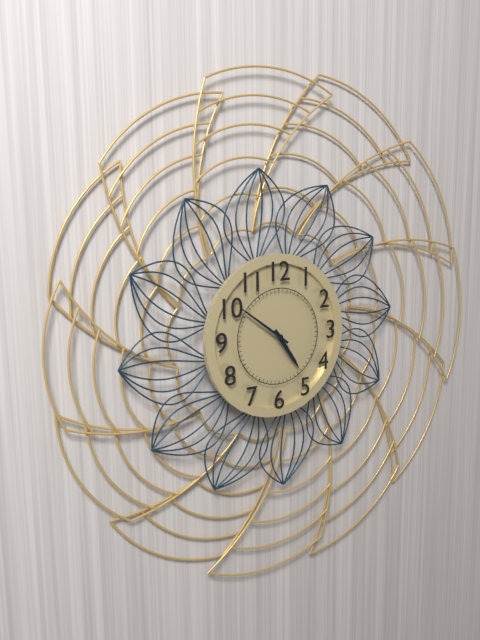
4:51
